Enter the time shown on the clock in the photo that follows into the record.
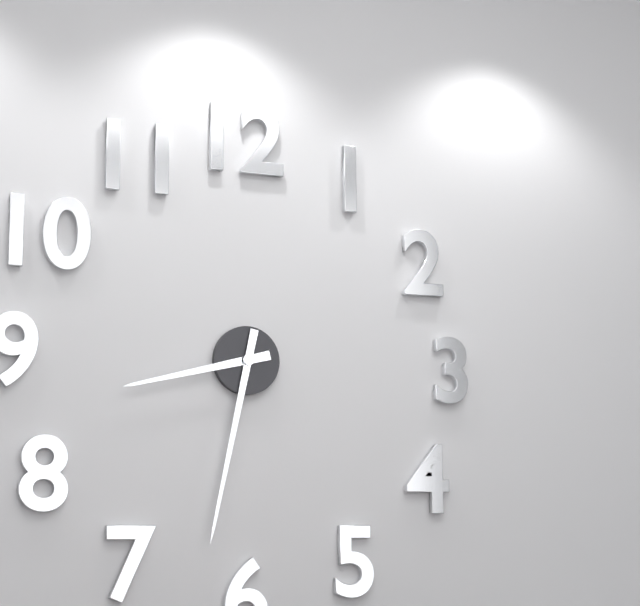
8:32
